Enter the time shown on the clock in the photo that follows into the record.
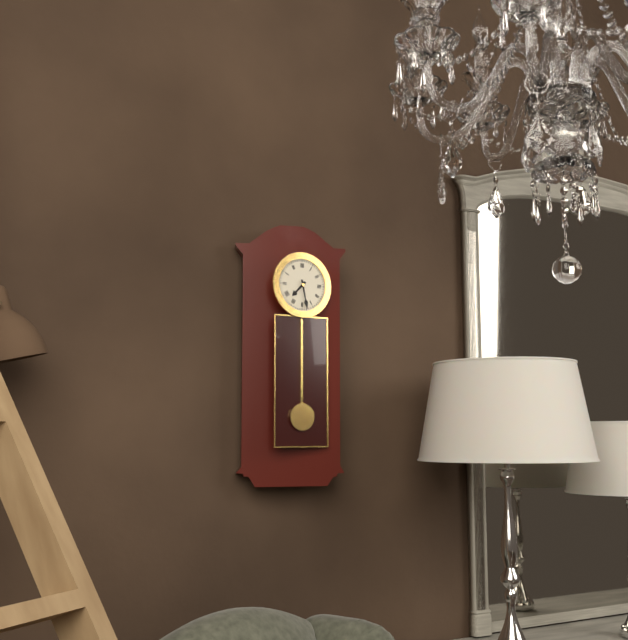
7:28
